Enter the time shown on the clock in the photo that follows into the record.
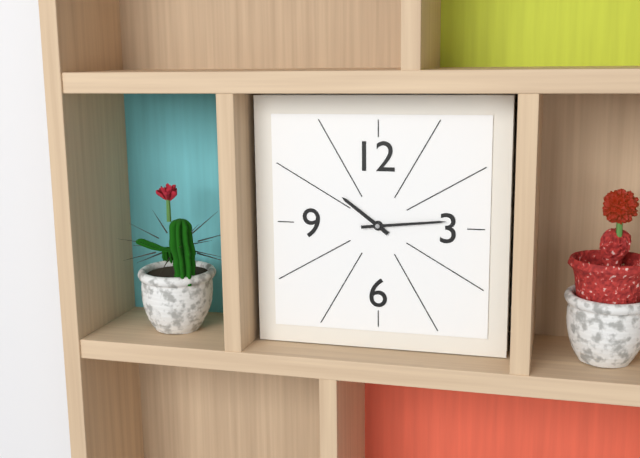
10:14
